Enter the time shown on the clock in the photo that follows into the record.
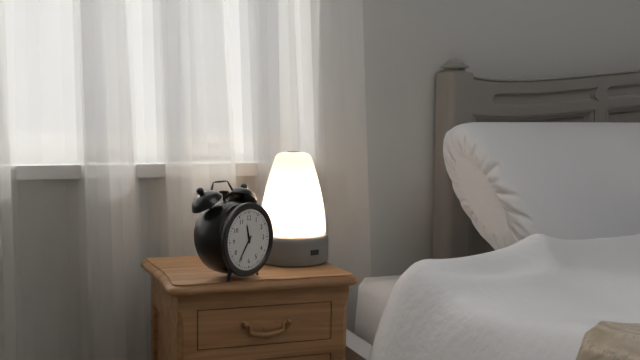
11:36
